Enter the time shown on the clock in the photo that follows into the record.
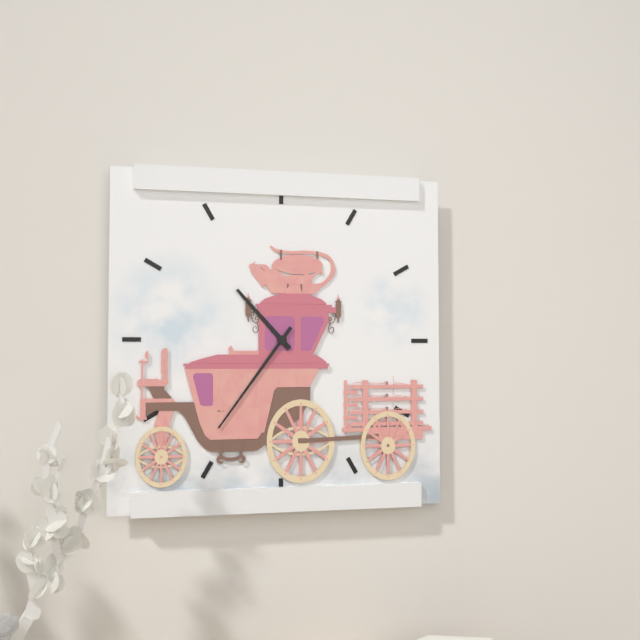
10:36
